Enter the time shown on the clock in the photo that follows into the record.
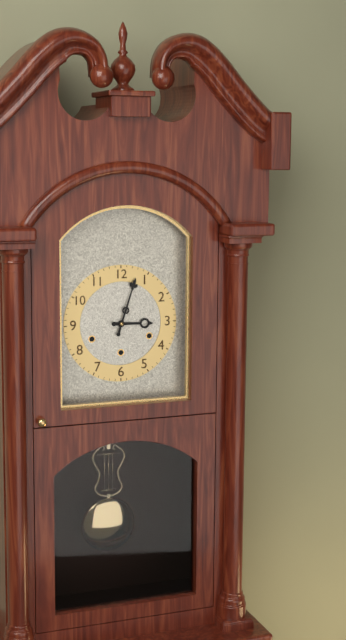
3:03
